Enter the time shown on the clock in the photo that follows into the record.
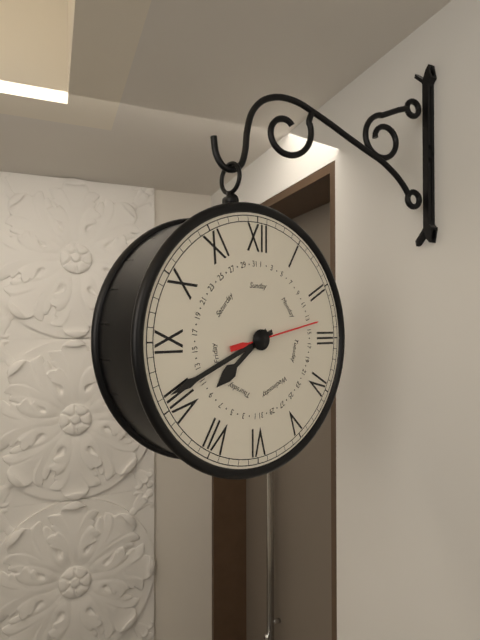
7:41:13
